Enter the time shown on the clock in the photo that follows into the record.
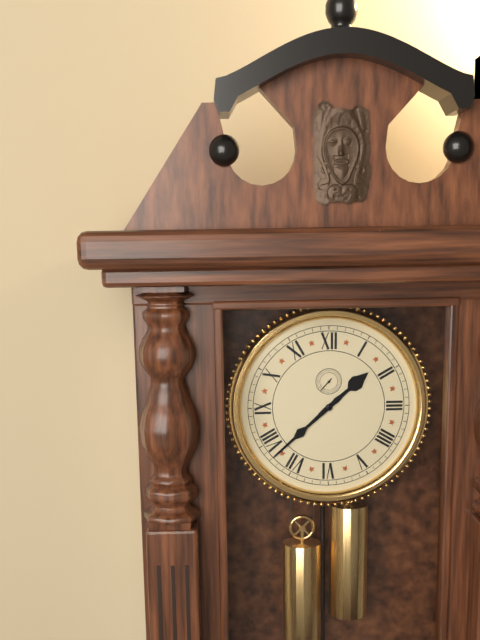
1:38
